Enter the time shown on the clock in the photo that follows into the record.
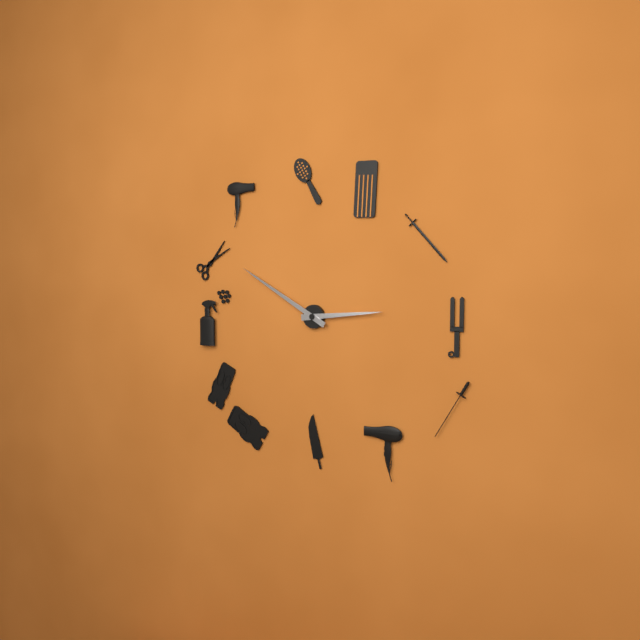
2:50
